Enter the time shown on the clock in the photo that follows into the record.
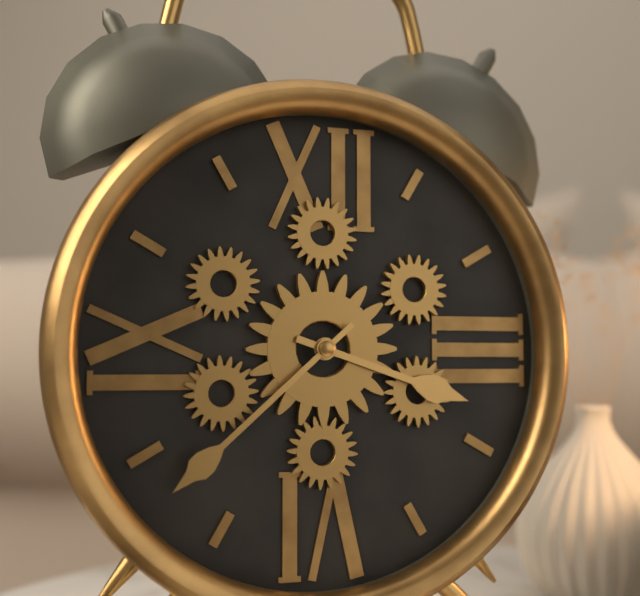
3:38
